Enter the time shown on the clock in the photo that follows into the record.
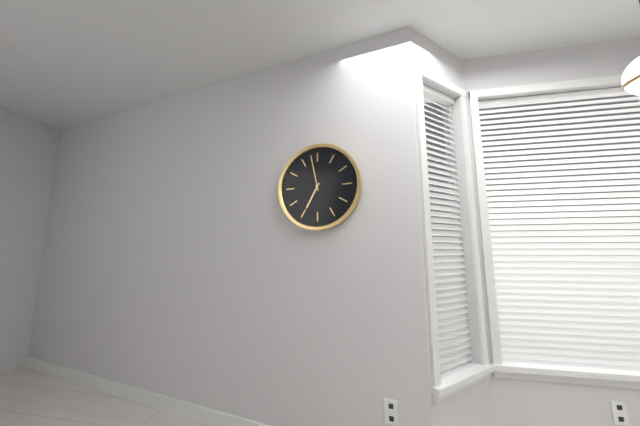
6:58
